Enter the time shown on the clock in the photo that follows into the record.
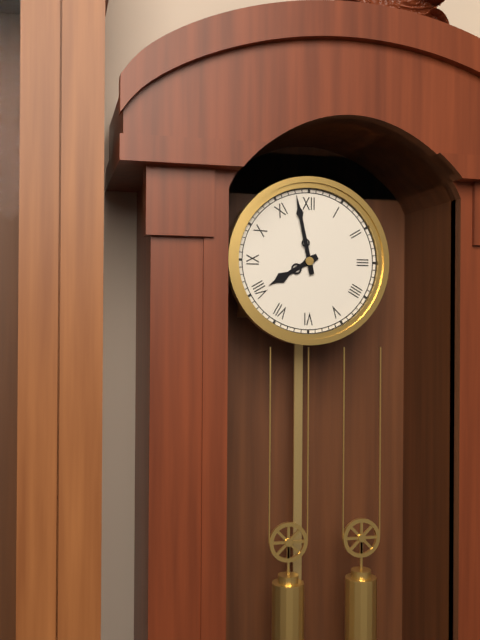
7:58
